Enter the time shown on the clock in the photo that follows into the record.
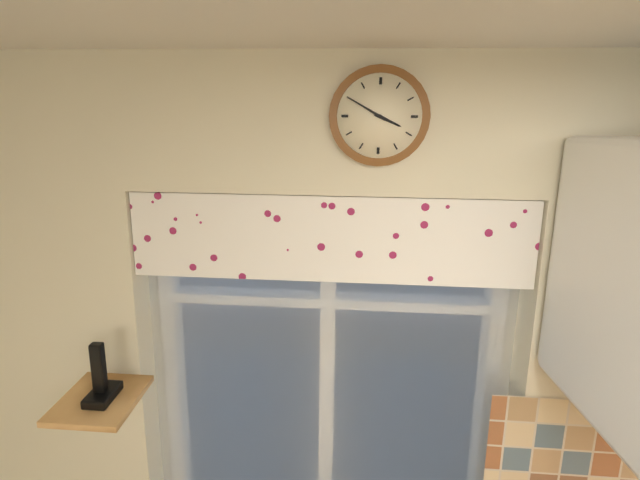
3:50
